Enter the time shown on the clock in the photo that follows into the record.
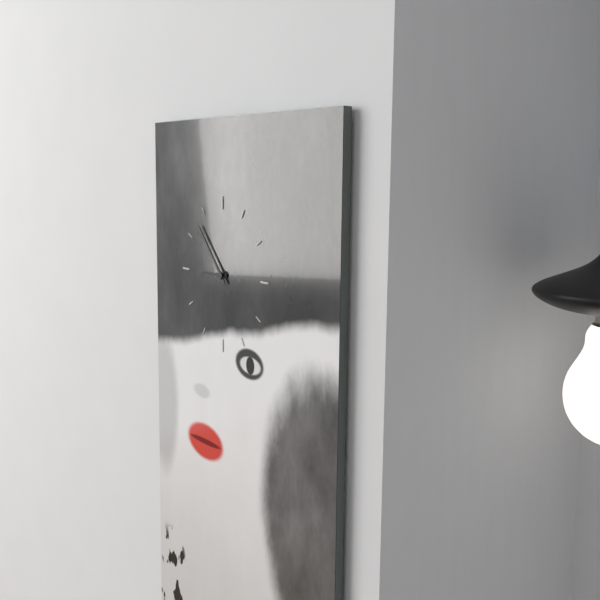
8:53
